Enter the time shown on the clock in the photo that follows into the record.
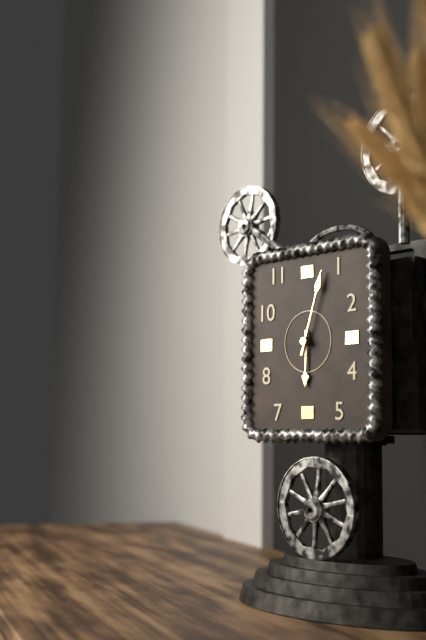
6:03
